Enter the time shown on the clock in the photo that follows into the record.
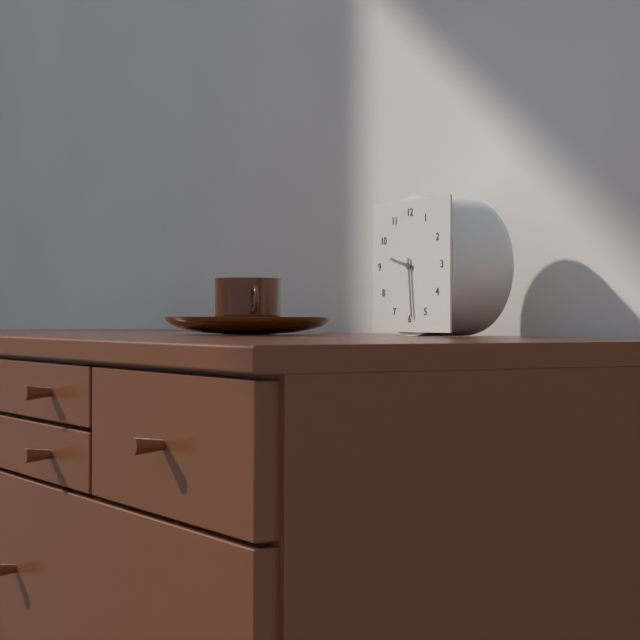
9:29
